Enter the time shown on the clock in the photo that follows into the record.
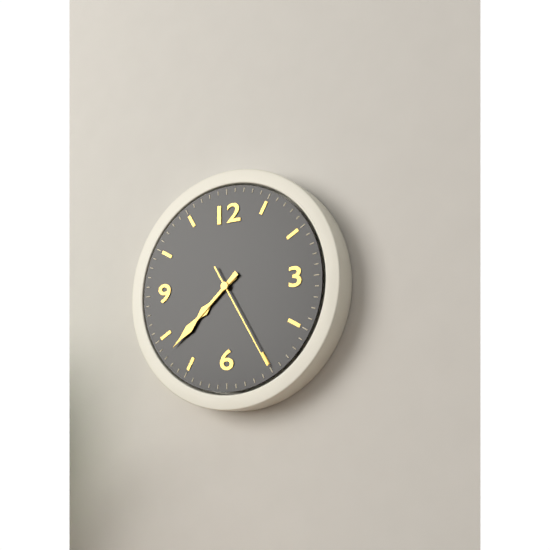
7:38:25
